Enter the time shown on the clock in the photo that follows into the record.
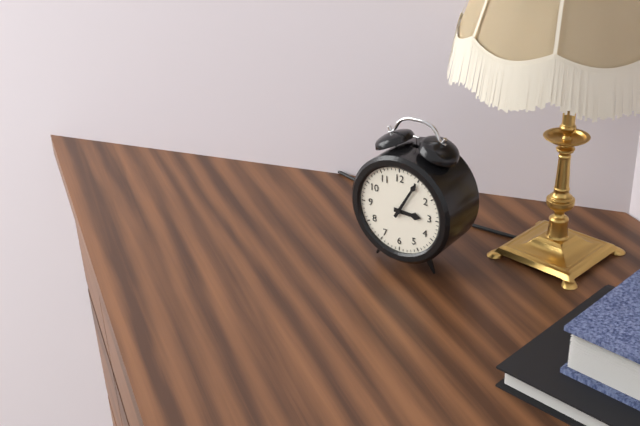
3:05
